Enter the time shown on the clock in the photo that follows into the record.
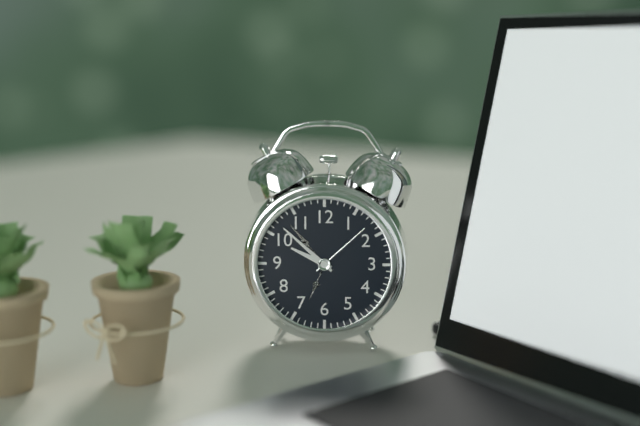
9:52
